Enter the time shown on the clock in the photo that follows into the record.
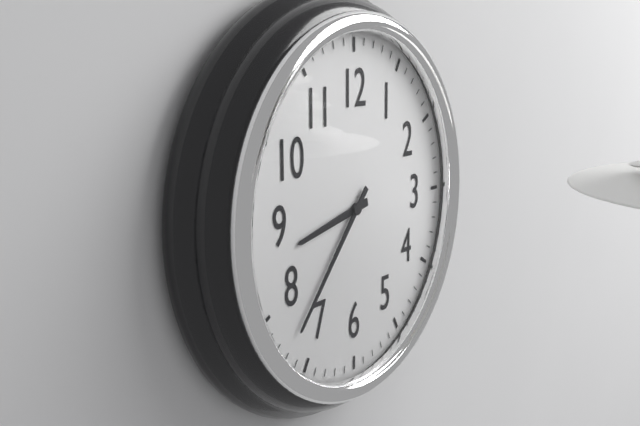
8:37
